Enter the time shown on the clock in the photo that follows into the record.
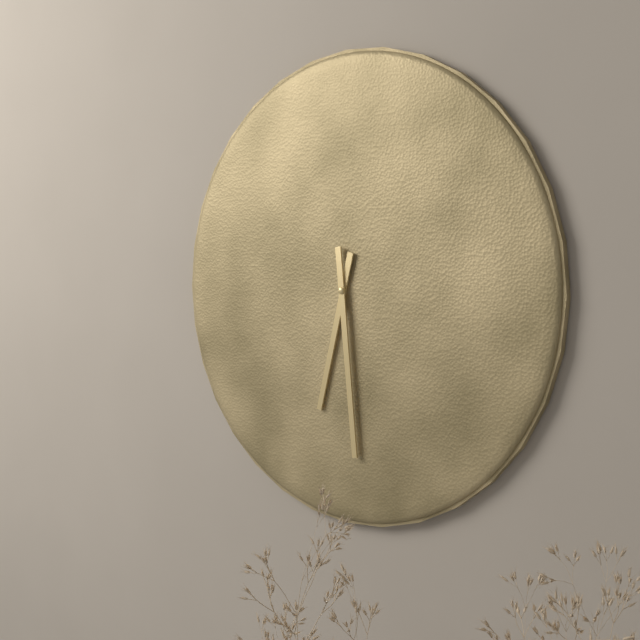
6:29
